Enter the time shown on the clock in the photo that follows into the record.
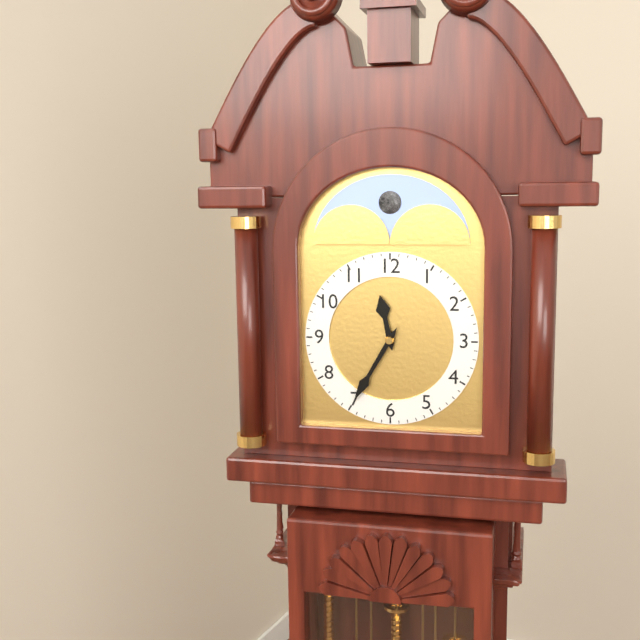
11:35
